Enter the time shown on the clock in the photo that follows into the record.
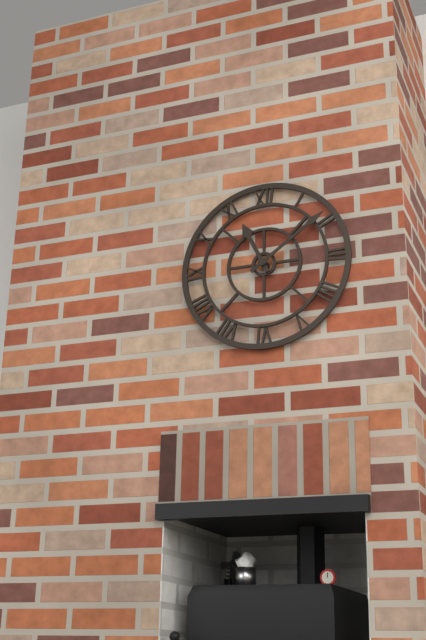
11:09
